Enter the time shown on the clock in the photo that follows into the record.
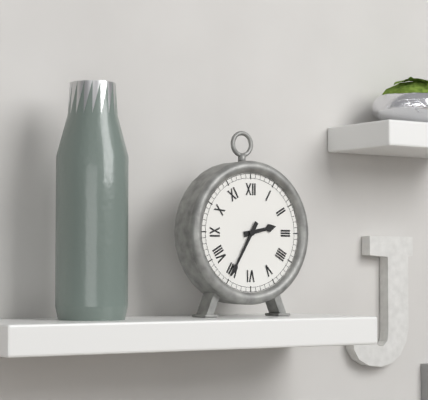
2:35
